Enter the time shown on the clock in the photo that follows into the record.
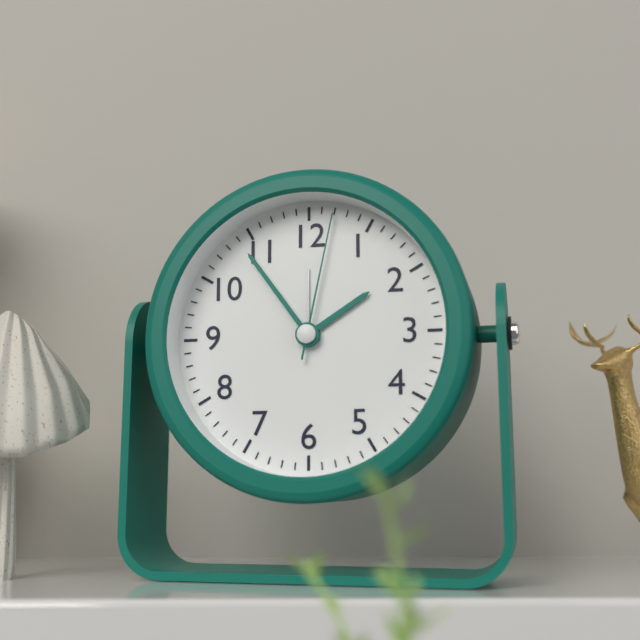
1:54:02
